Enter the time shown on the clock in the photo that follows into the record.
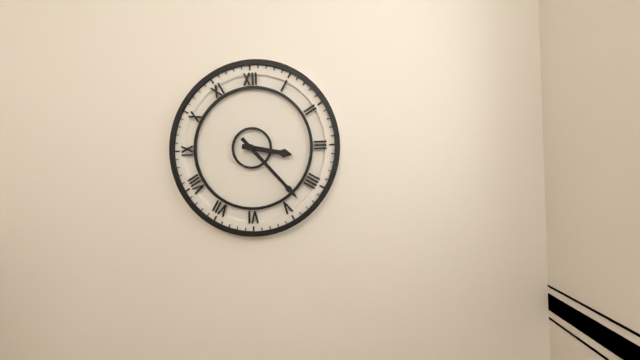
3:23
